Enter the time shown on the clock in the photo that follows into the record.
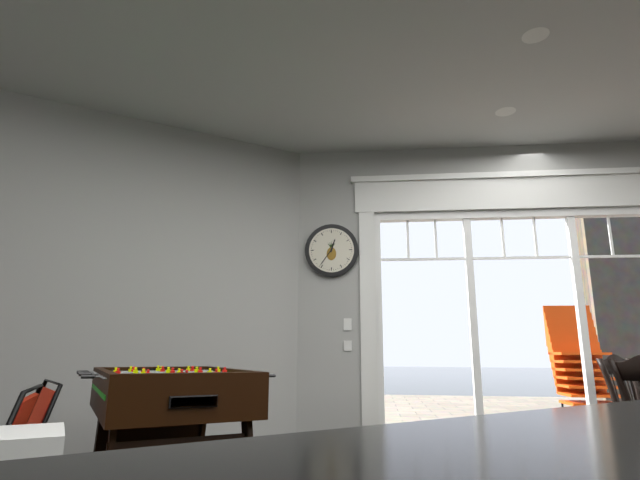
12:36
